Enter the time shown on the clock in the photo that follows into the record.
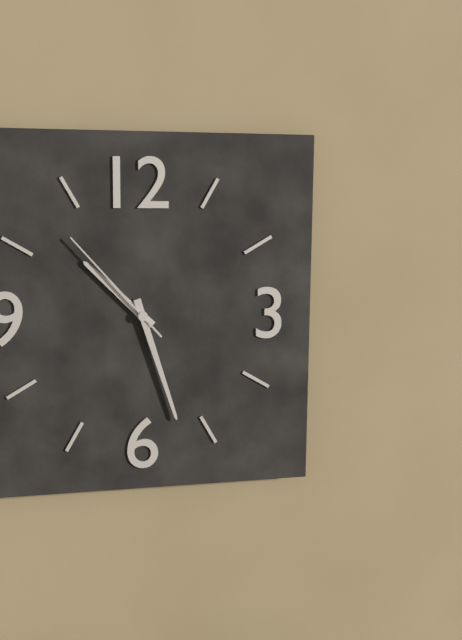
10:27:53
